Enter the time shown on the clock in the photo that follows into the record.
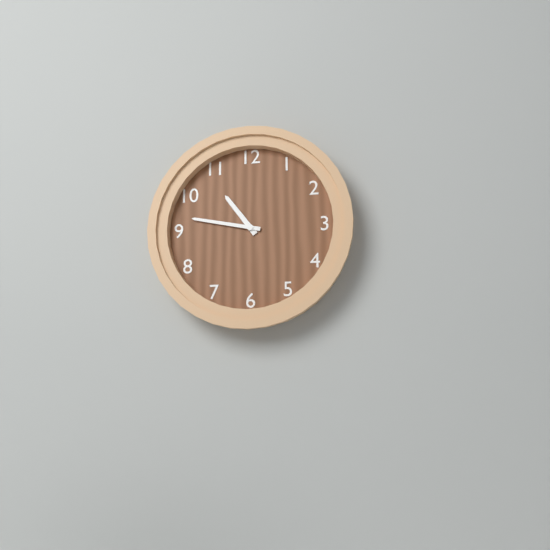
10:47
